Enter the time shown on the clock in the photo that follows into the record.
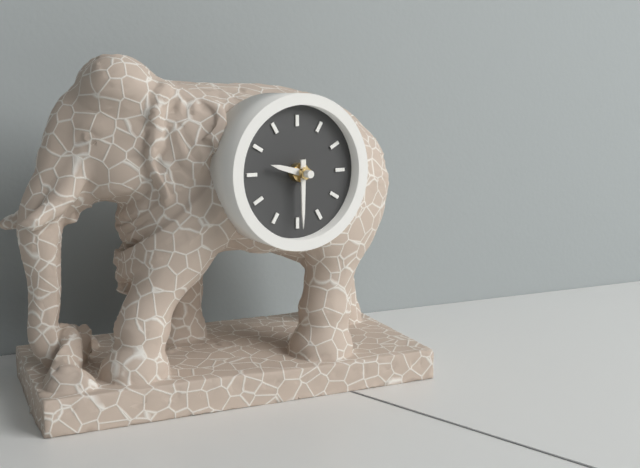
9:30
